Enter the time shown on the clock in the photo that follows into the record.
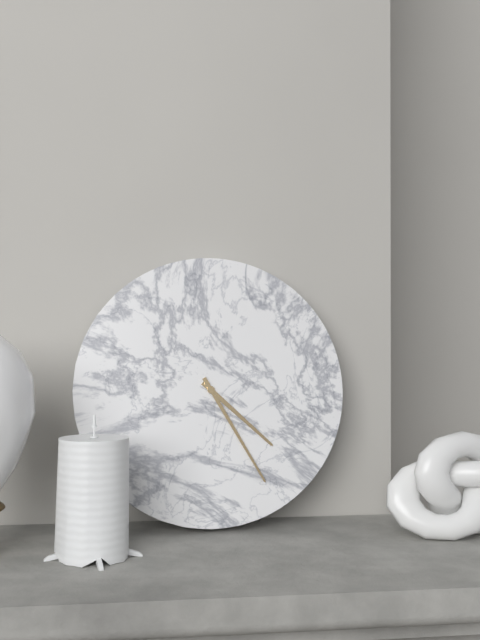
4:25
